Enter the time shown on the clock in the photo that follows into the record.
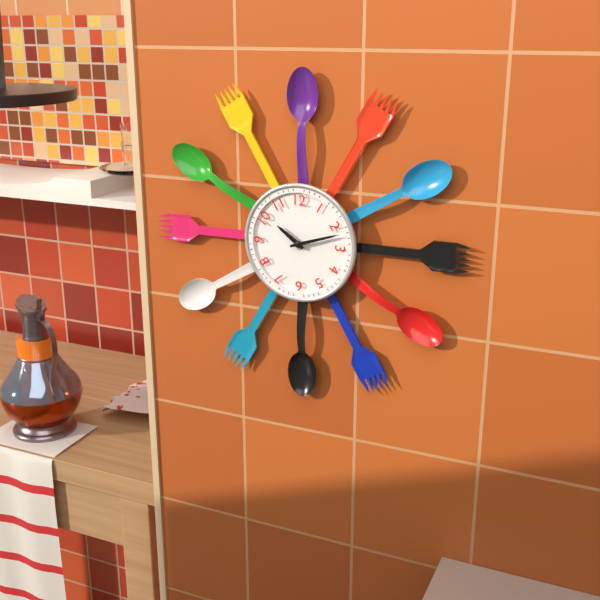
10:12
